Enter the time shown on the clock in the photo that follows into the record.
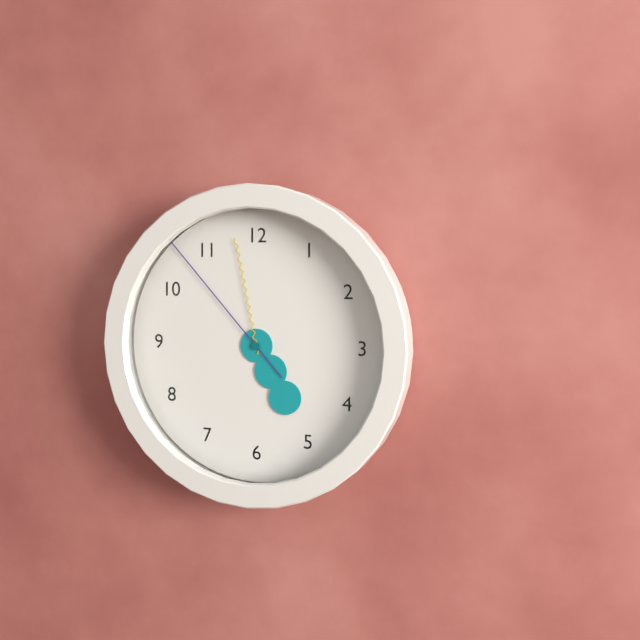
4:58:53
